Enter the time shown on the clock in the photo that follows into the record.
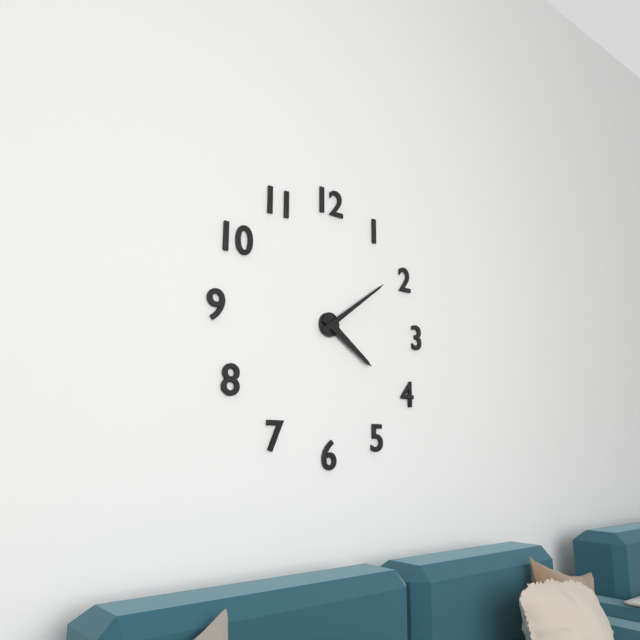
4:09
